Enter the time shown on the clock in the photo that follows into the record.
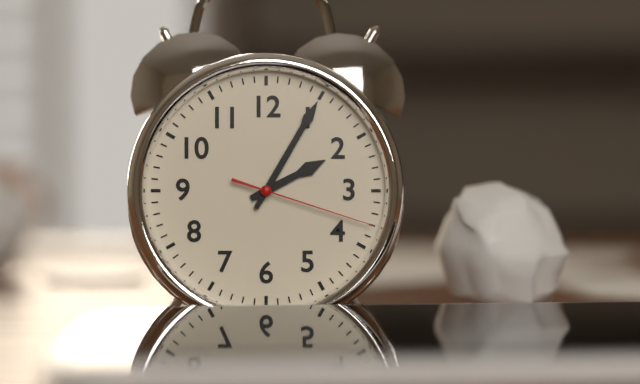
2:05:18
